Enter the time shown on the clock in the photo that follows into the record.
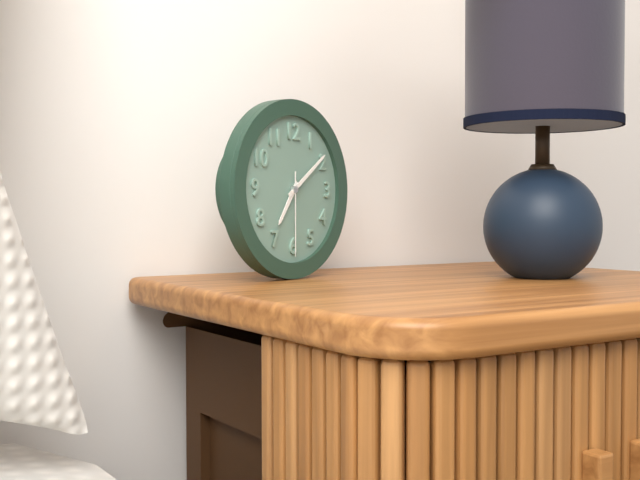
7:09:30
